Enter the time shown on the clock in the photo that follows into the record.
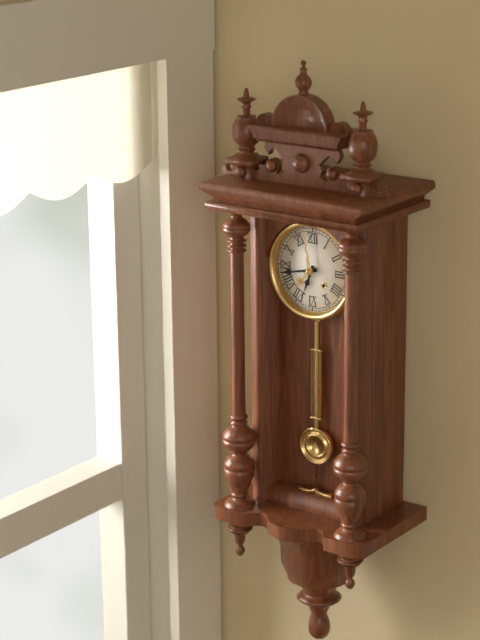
6:43
